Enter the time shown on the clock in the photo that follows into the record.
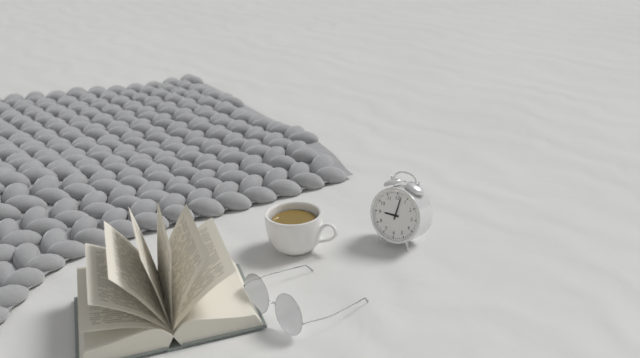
9:02
